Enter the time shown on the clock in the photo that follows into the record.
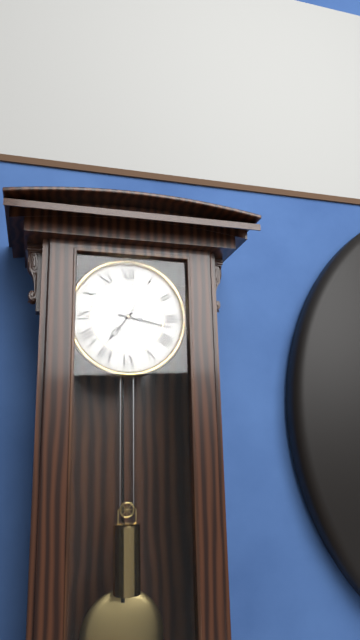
7:17
